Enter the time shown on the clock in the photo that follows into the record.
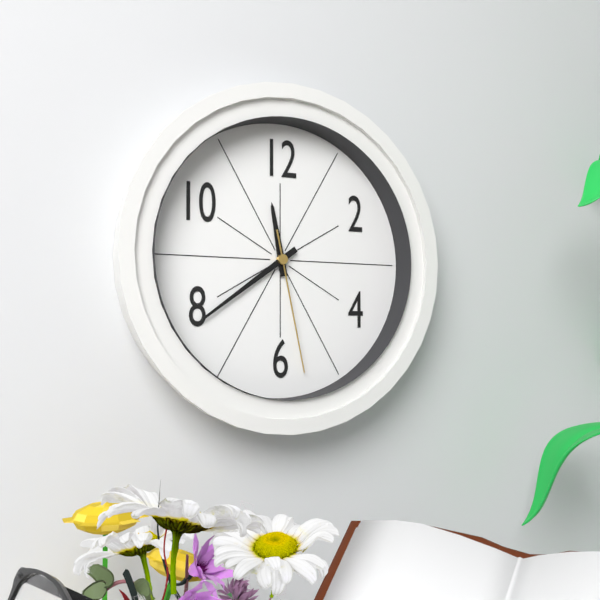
11:39:28
